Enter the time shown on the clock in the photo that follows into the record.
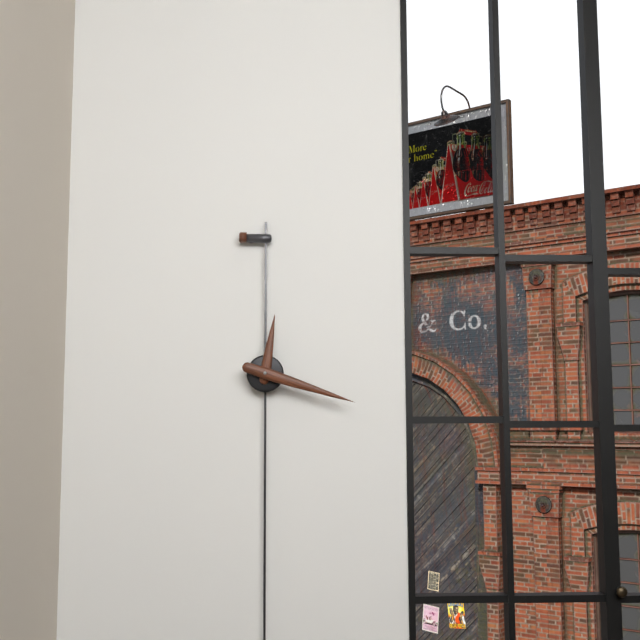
12:18
